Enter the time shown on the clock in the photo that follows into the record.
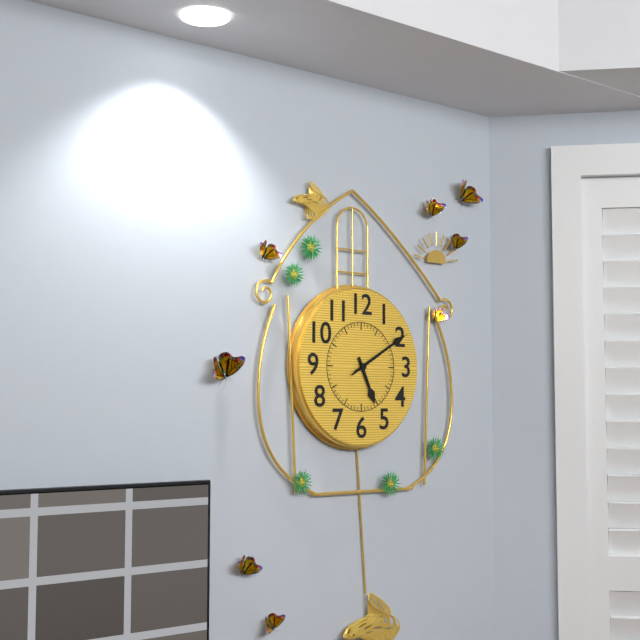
5:10:10
